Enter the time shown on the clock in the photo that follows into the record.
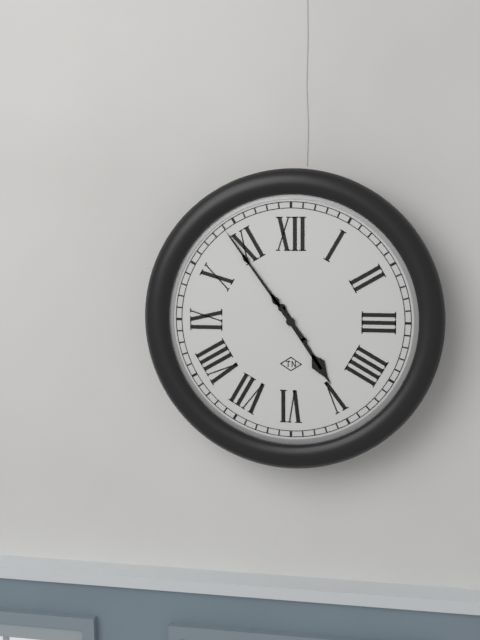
4:54
